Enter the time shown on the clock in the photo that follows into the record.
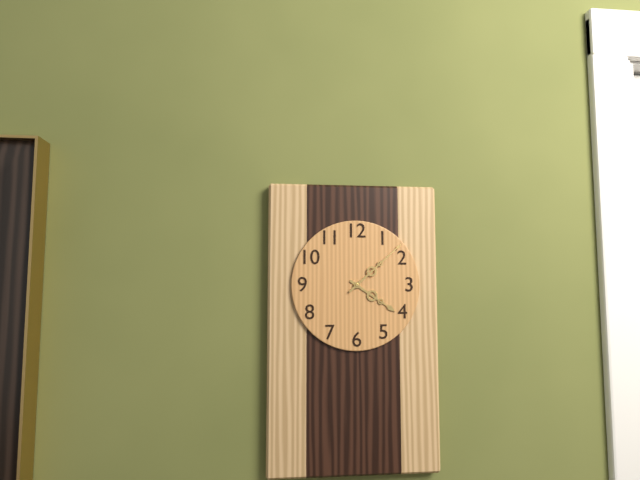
4:08
